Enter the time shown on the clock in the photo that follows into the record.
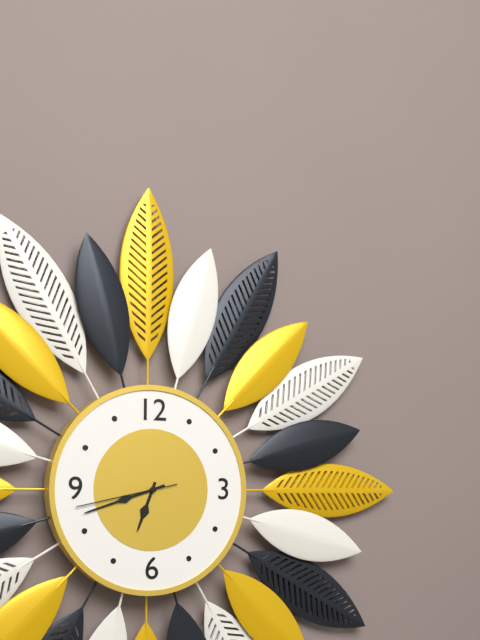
6:42:43
